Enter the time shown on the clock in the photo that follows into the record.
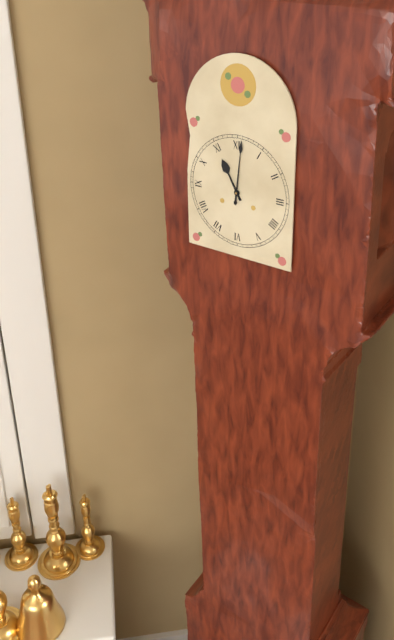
11:01
